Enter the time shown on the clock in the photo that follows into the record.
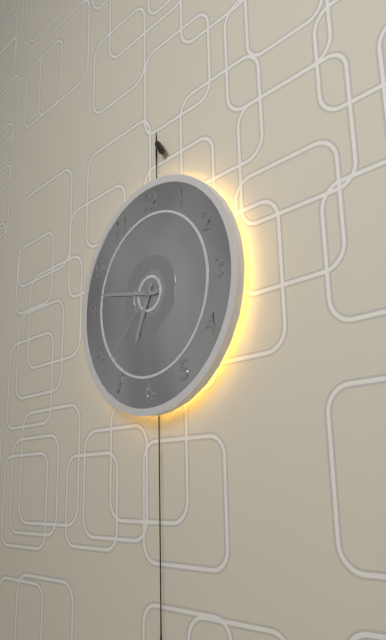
6:47:38
